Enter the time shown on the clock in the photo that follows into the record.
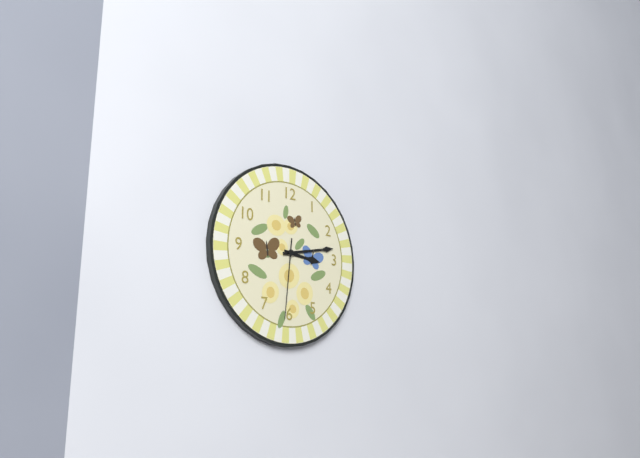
3:13:31
